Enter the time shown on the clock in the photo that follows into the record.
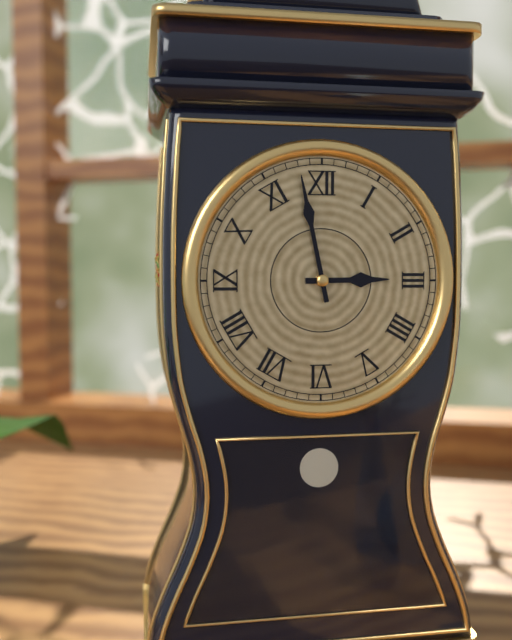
2:58
